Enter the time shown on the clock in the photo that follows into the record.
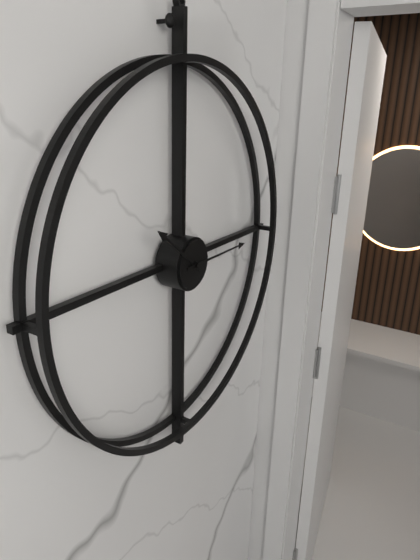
10:15
